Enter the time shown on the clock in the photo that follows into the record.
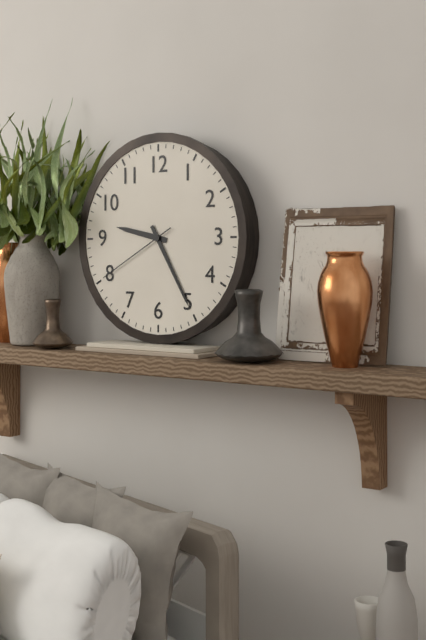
9:25:40
